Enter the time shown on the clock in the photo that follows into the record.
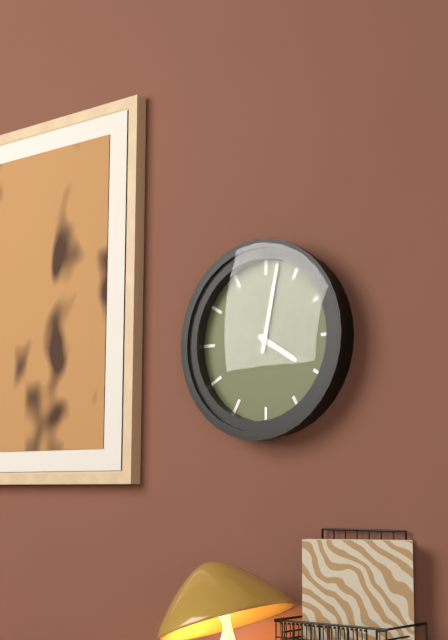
4:02
